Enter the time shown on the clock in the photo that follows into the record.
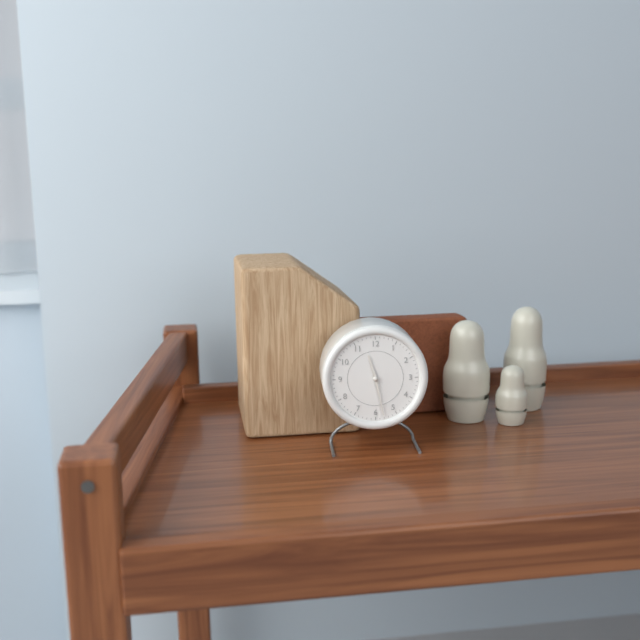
11:28
